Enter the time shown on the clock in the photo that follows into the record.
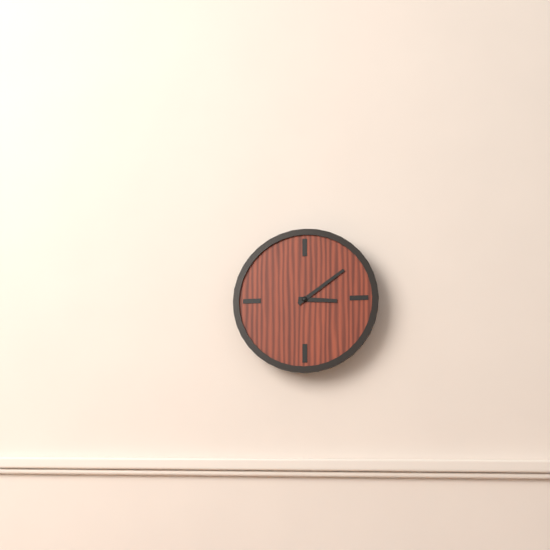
3:09
